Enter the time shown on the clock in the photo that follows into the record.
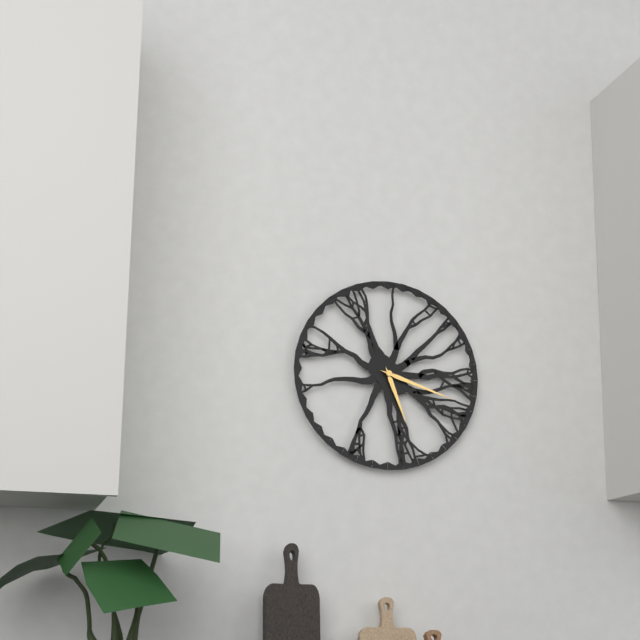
5:18
